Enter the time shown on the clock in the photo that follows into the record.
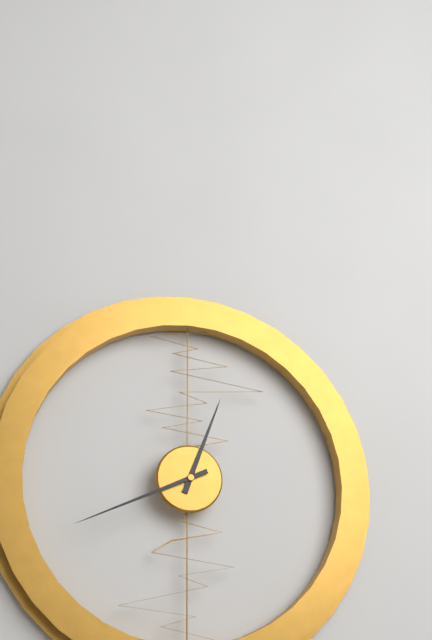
12:41
